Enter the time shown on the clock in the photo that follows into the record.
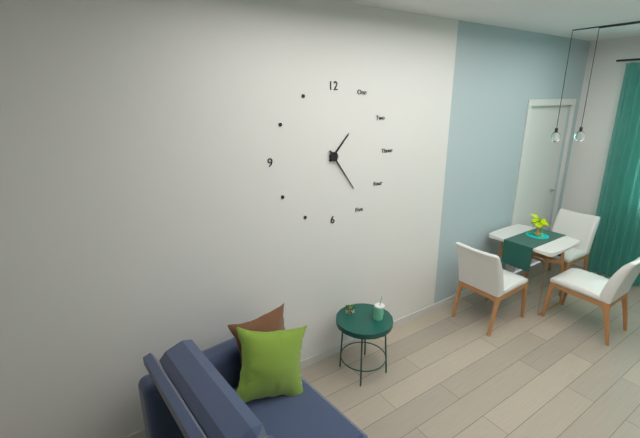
1:24
